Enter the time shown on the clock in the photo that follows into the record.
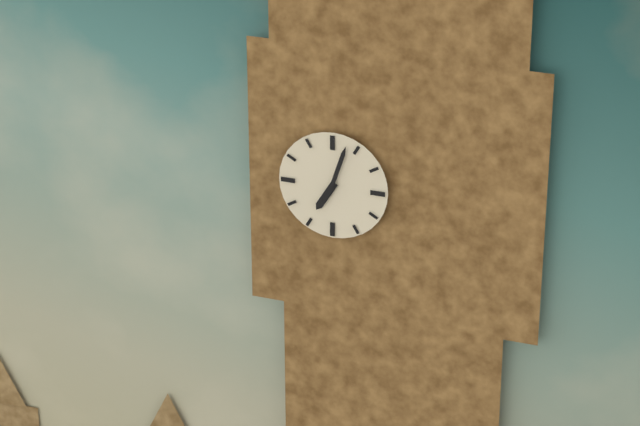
7:03
